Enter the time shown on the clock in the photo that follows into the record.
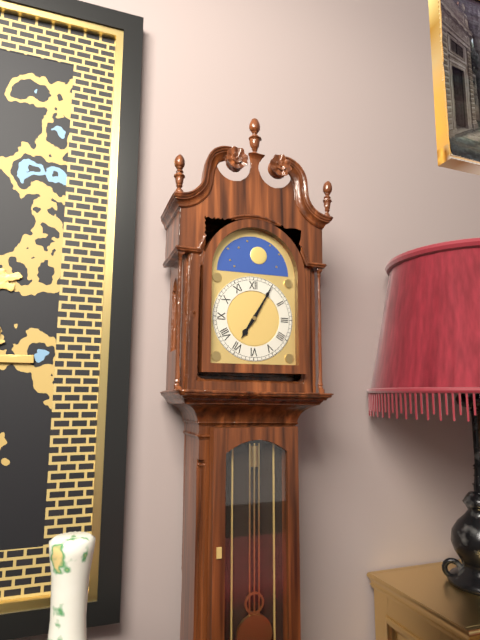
7:05
